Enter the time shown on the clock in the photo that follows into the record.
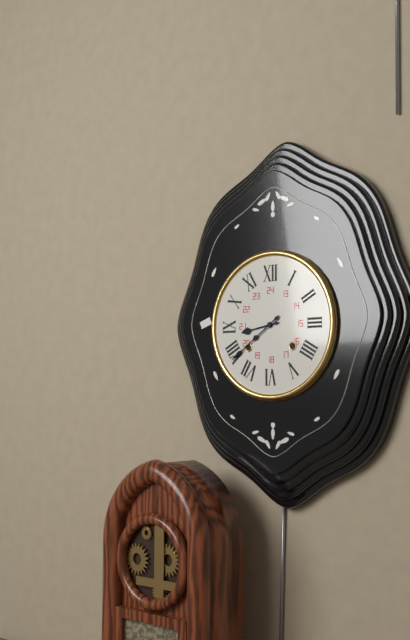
8:39
